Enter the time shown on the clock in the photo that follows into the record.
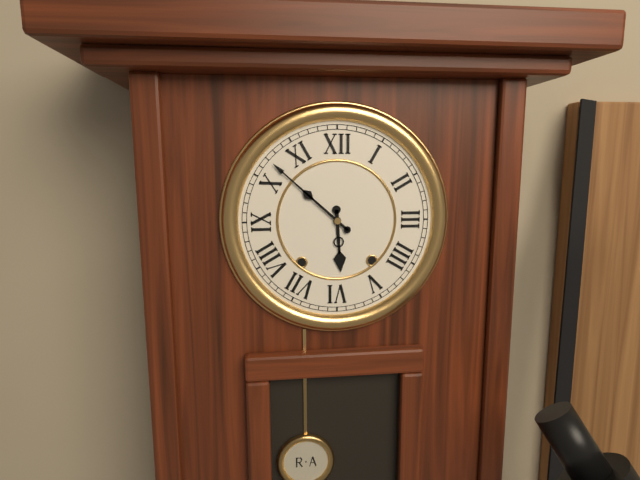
5:52
